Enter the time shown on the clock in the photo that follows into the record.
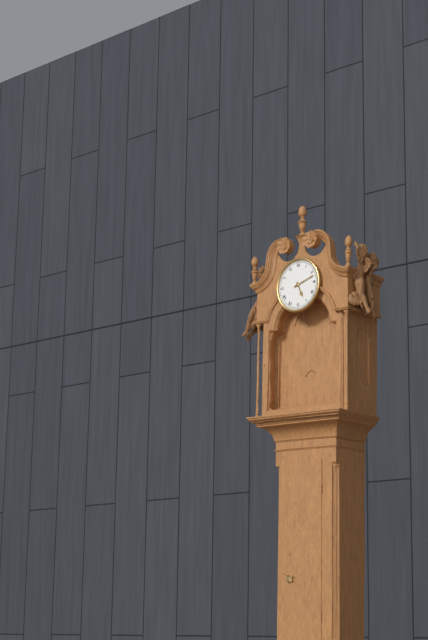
5:12
